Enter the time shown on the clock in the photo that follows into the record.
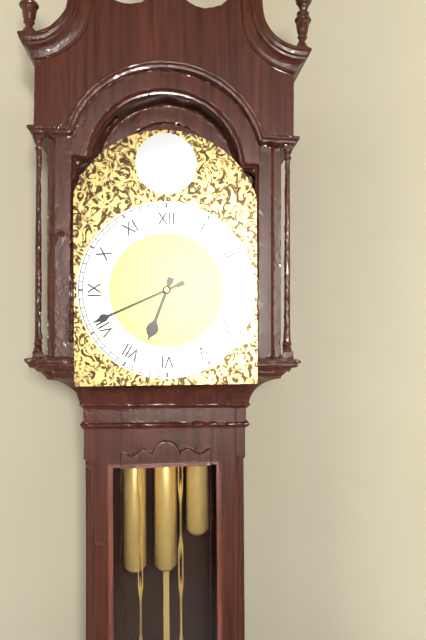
6:41
